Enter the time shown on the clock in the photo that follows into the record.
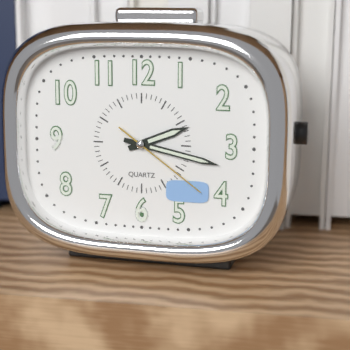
2:17:21
